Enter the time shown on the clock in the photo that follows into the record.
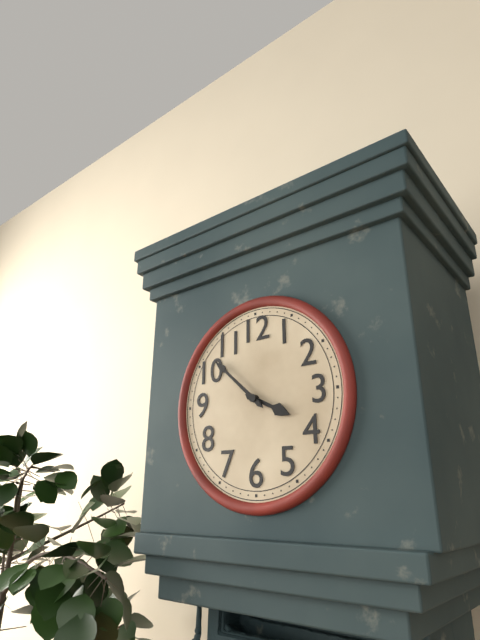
3:52
